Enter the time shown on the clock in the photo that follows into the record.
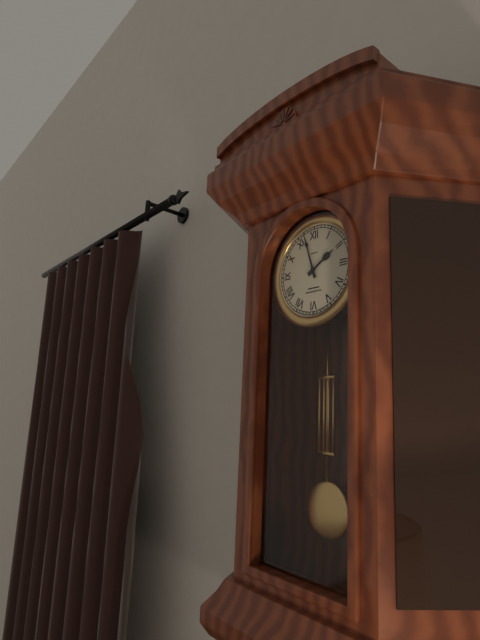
1:57
